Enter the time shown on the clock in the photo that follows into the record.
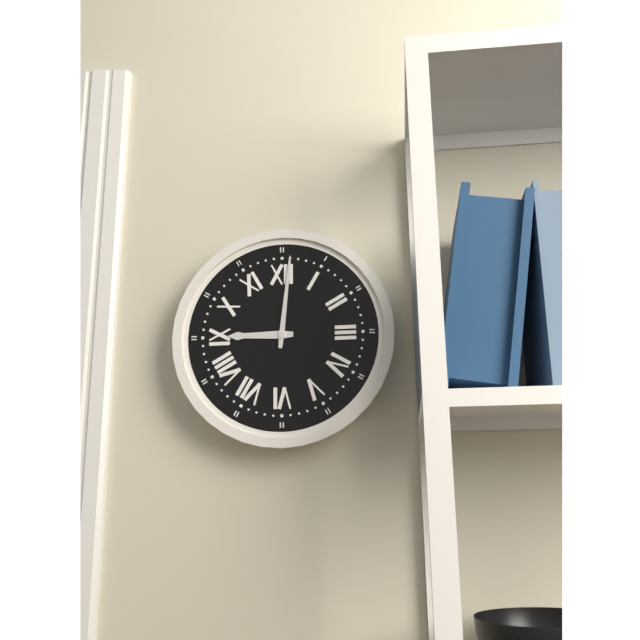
9:01
